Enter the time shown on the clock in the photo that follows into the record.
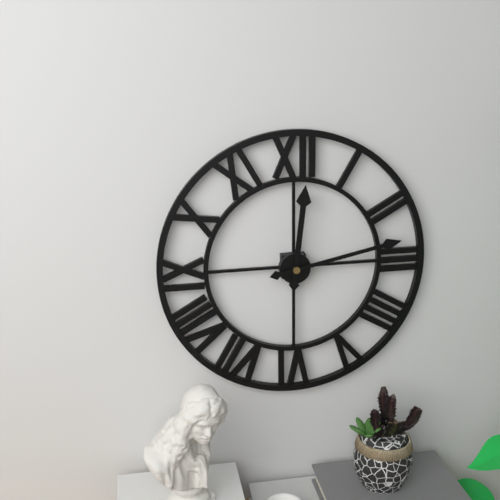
12:13
